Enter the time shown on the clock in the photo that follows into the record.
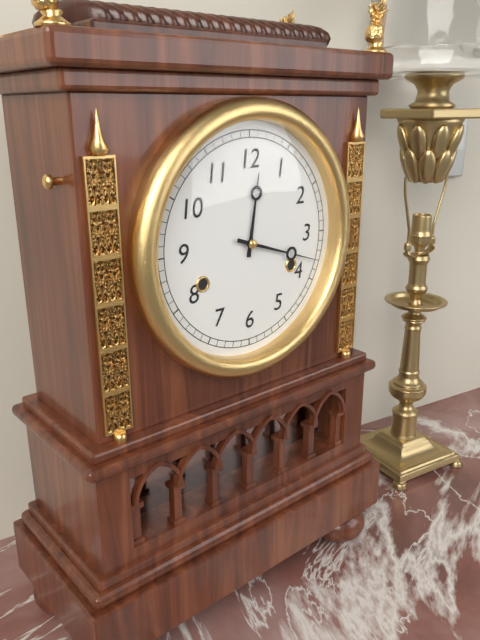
12:18
